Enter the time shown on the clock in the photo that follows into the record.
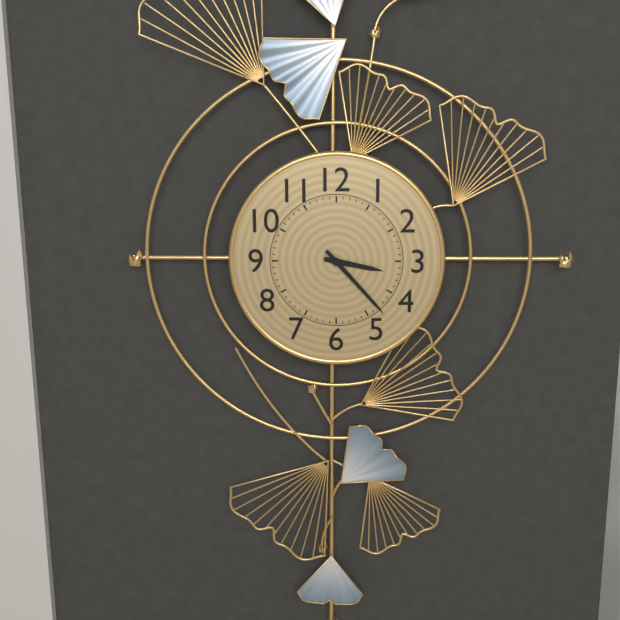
3:23
